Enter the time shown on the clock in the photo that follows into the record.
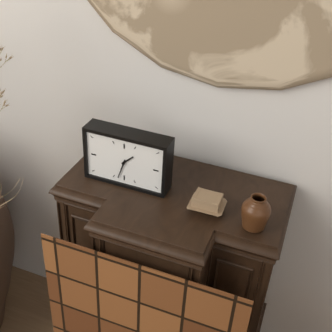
1:33
